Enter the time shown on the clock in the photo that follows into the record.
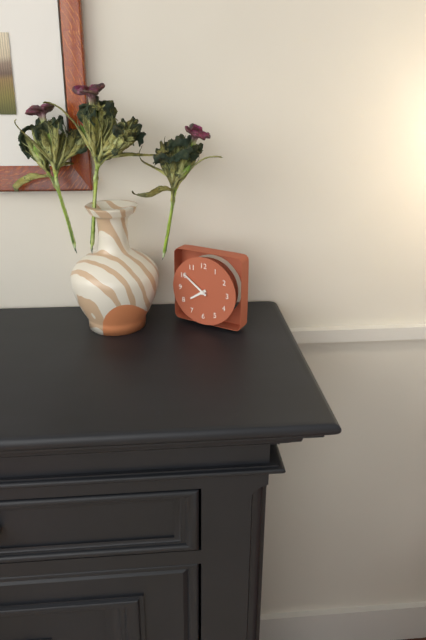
7:51
